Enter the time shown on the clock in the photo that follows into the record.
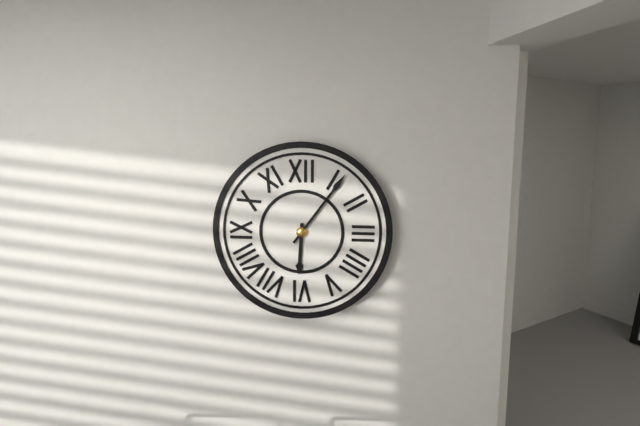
6:06
